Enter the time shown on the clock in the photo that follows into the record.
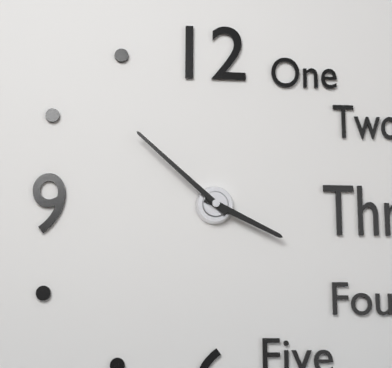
3:52
